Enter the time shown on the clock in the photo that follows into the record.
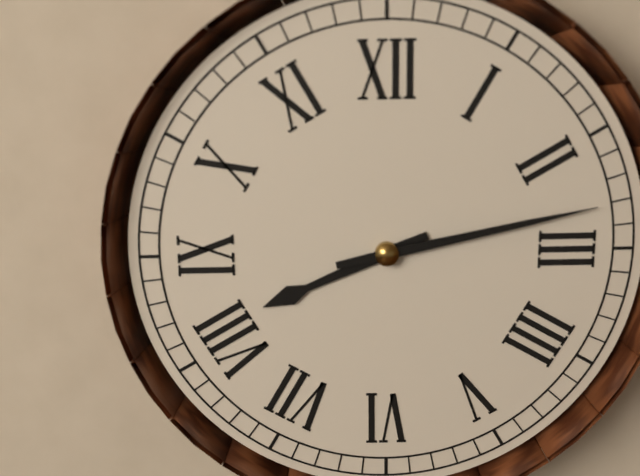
8:13
